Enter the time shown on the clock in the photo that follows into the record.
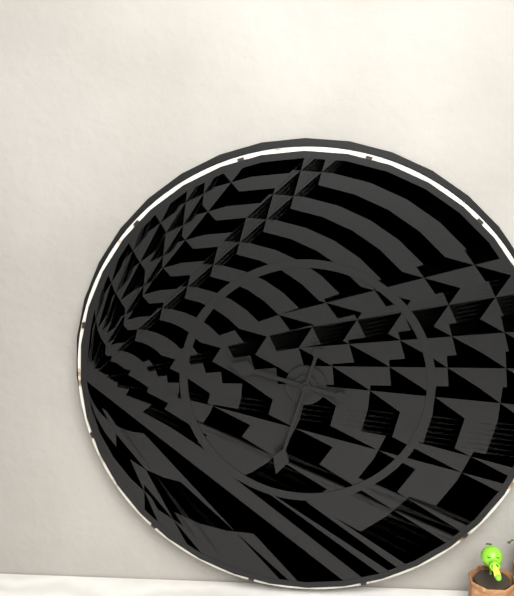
9:33
